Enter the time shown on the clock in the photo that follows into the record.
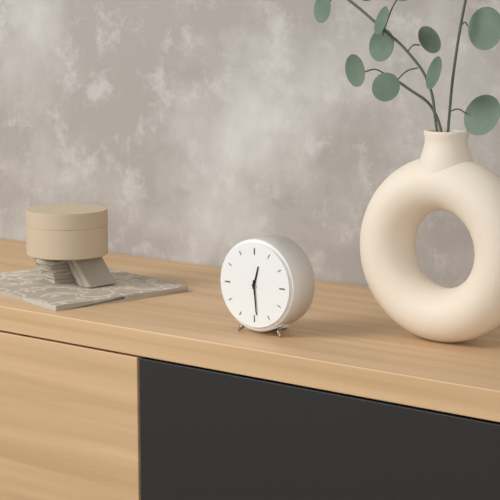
12:29
